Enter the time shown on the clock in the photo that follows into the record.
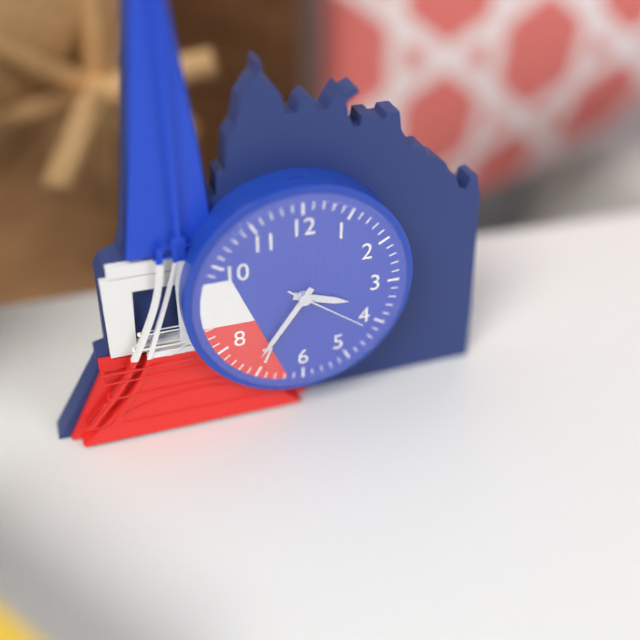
3:36:21
